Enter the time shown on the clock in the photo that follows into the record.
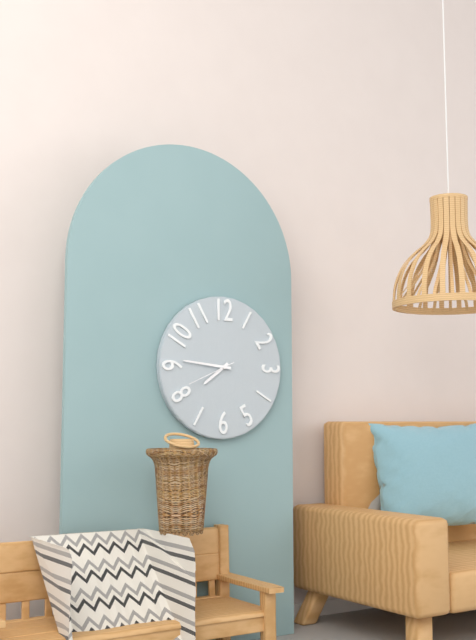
7:46
